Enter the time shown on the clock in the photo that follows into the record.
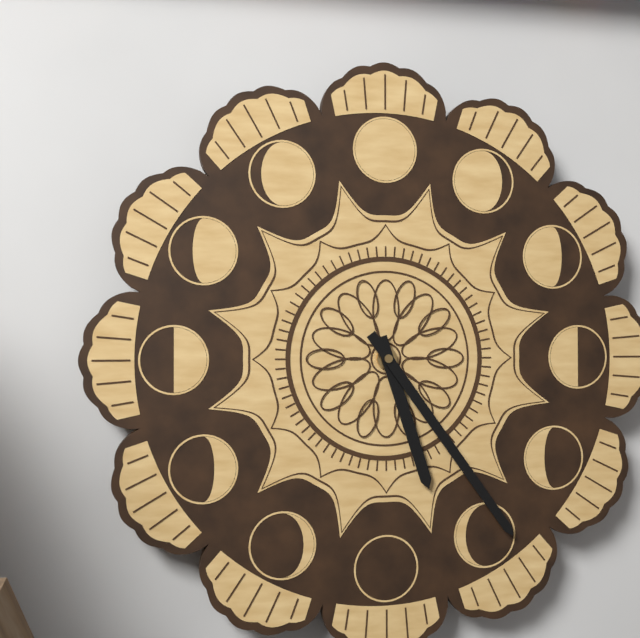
5:24
